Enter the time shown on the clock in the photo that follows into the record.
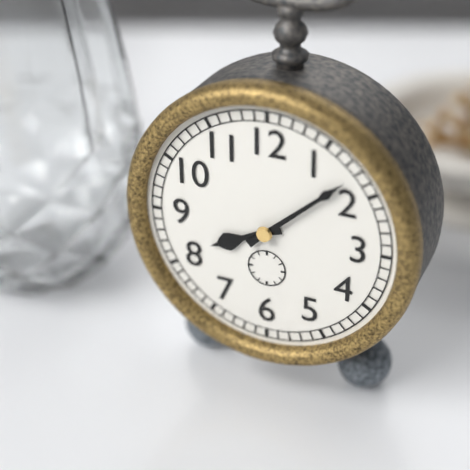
8:08
